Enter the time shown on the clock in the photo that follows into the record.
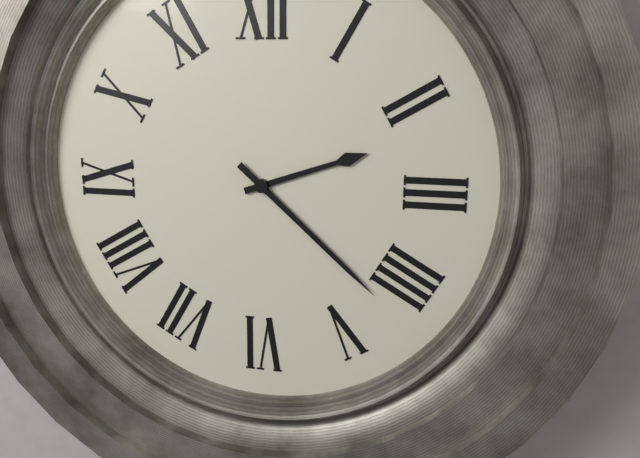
2:22
